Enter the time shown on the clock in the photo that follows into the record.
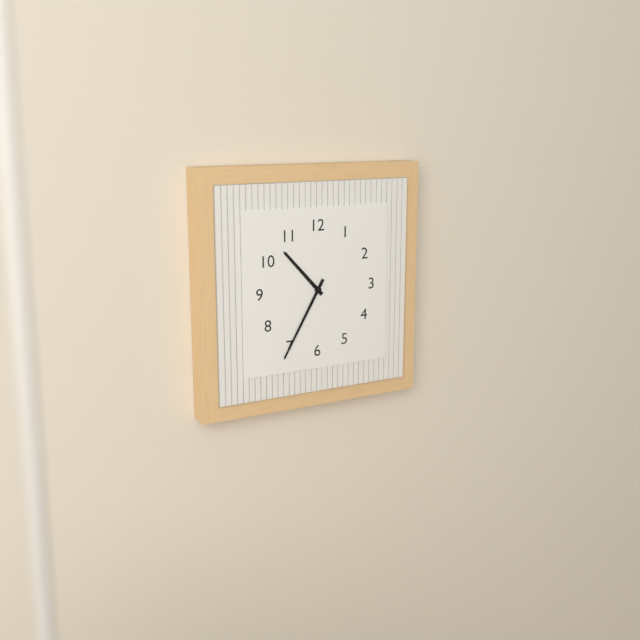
10:35
